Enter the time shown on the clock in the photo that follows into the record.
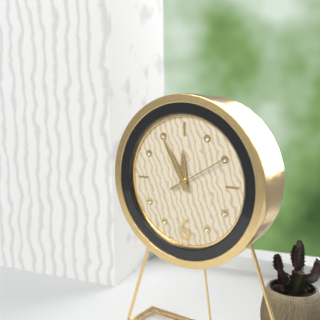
11:55:10
